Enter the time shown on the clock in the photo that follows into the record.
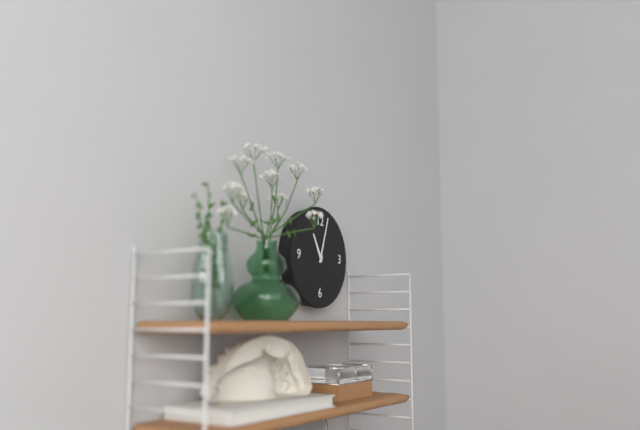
11:03
